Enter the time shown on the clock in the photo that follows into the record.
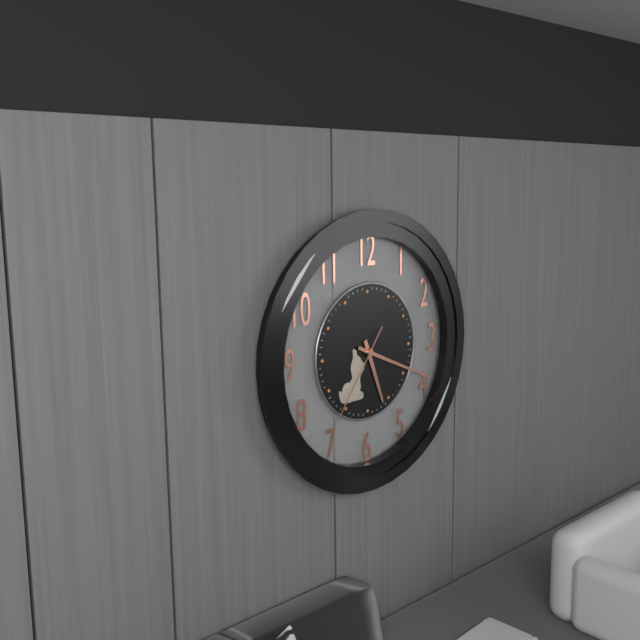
5:19:36
